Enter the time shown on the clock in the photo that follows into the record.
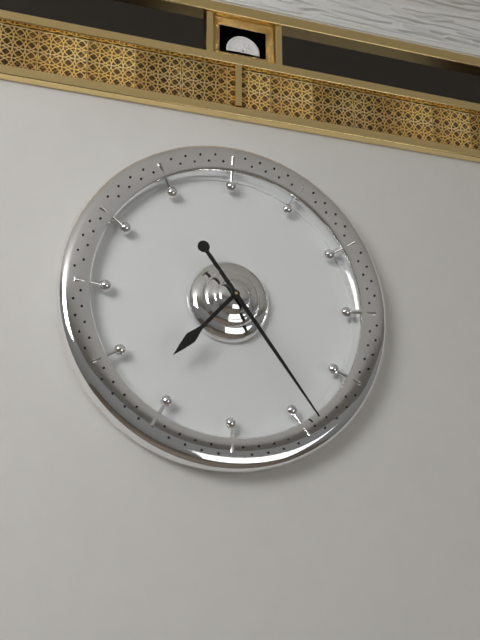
7:24
